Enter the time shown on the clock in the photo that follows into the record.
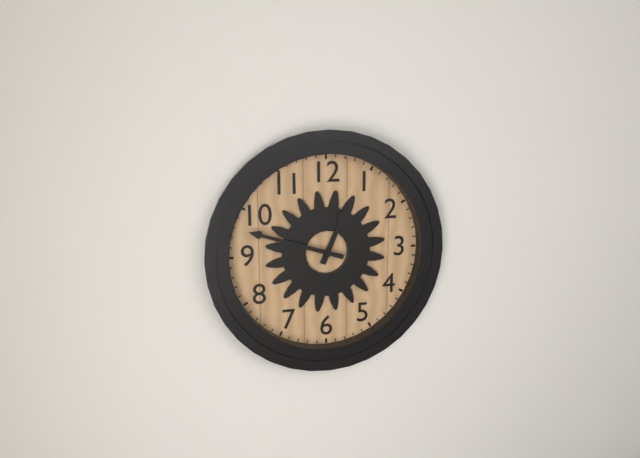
12:48
